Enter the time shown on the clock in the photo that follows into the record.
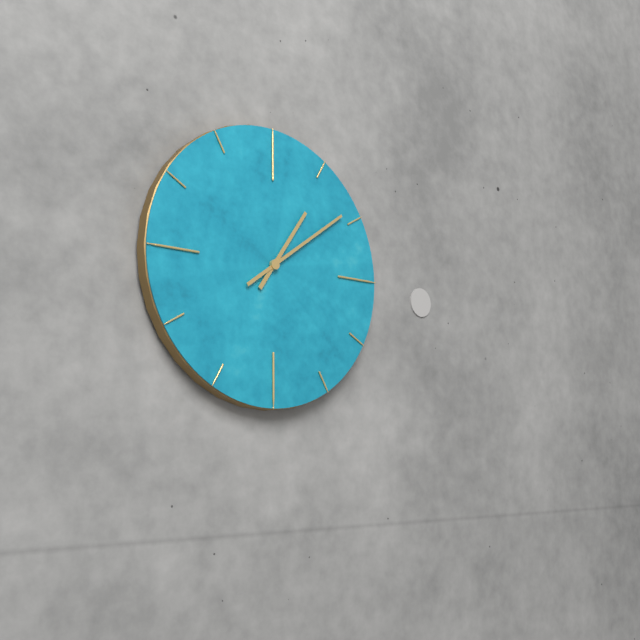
1:09
